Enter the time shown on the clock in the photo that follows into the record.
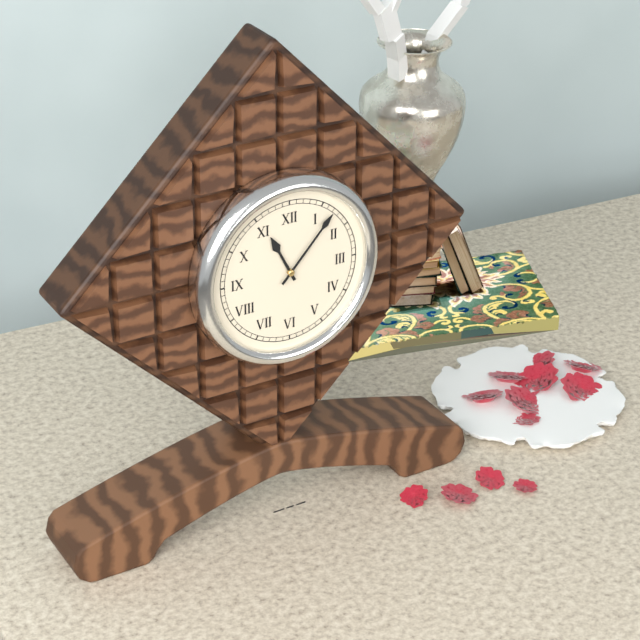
11:07
